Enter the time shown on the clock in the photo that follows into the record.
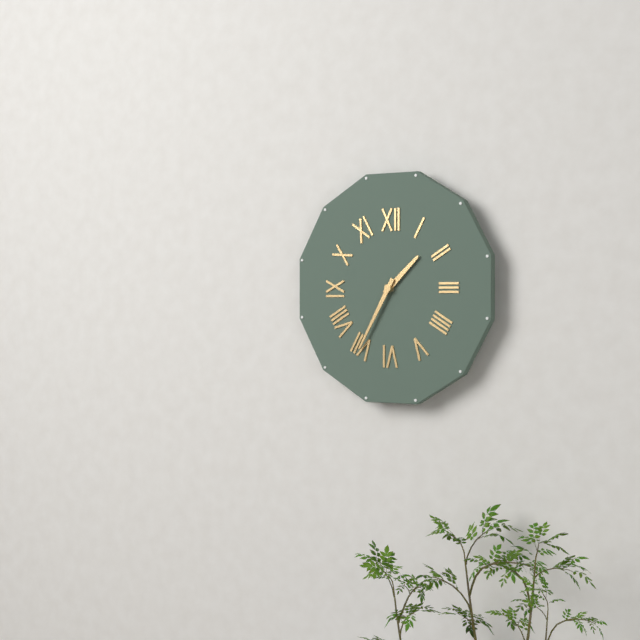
1:35
